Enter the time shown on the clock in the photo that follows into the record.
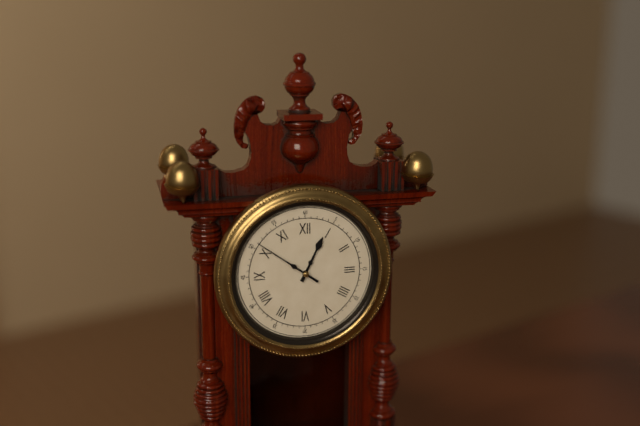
12:51
